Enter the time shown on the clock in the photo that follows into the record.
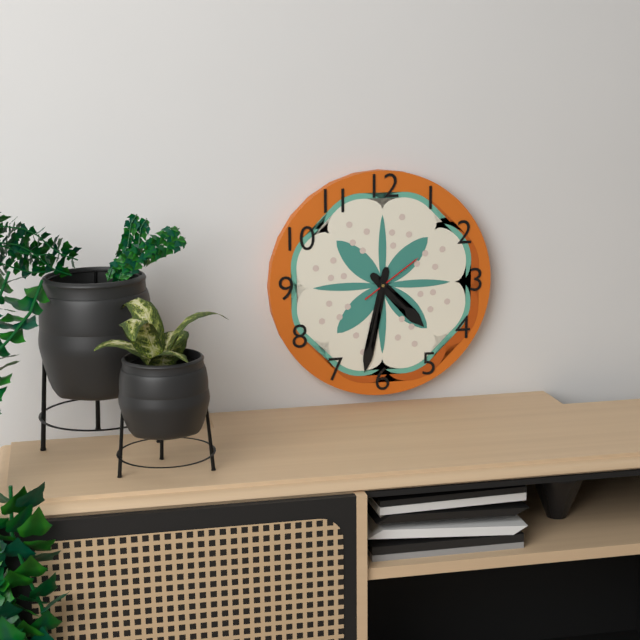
4:32:09
